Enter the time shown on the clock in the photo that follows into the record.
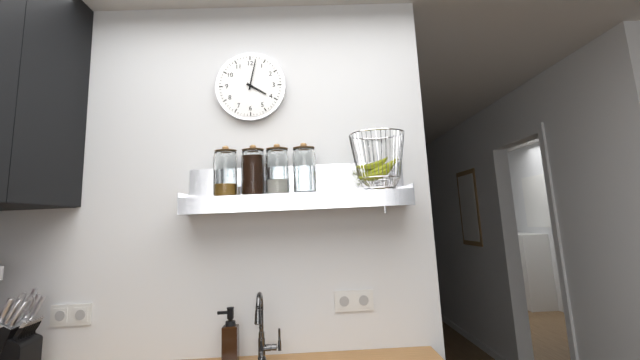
4:02
